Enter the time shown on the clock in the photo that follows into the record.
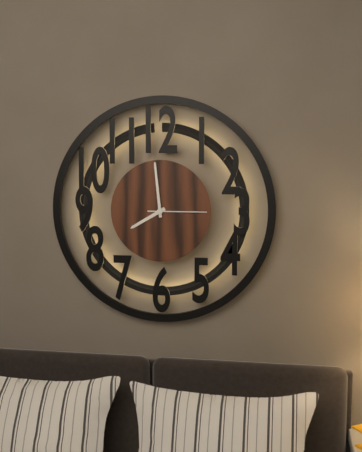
7:59:15
